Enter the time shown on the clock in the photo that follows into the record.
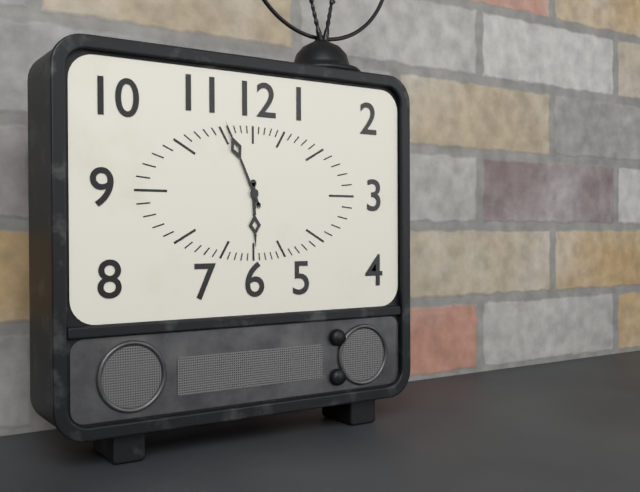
5:56
